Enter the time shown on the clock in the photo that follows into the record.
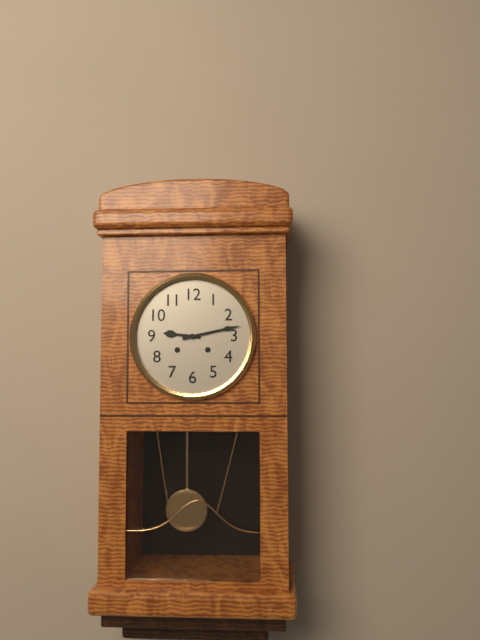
9:13
